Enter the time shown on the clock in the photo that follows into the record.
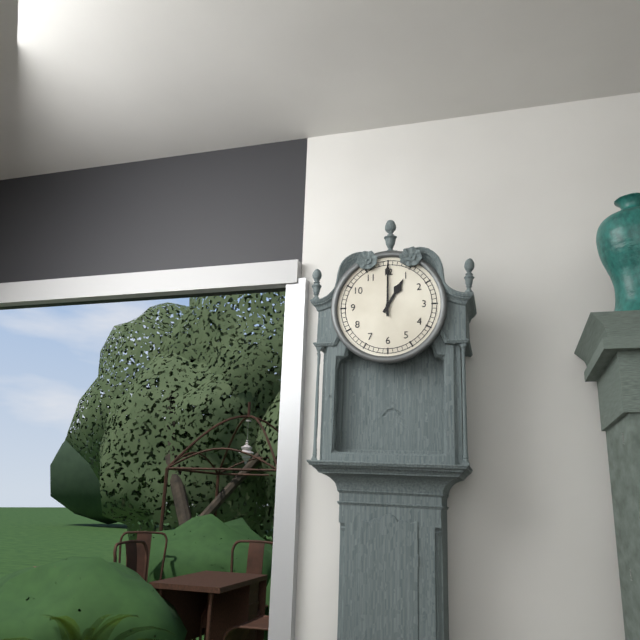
1:00
